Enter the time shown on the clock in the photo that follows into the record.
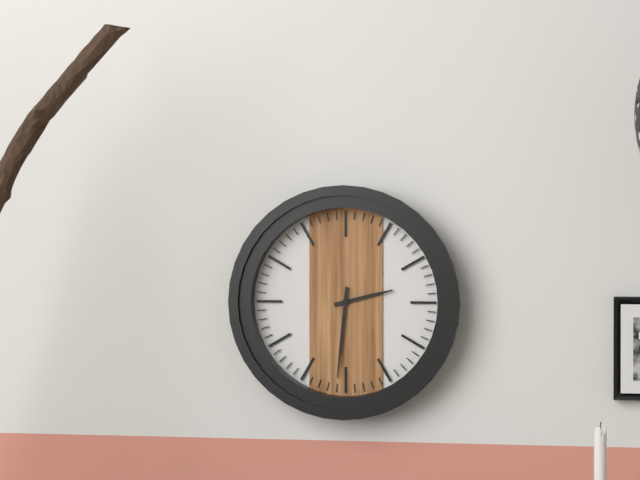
2:31
